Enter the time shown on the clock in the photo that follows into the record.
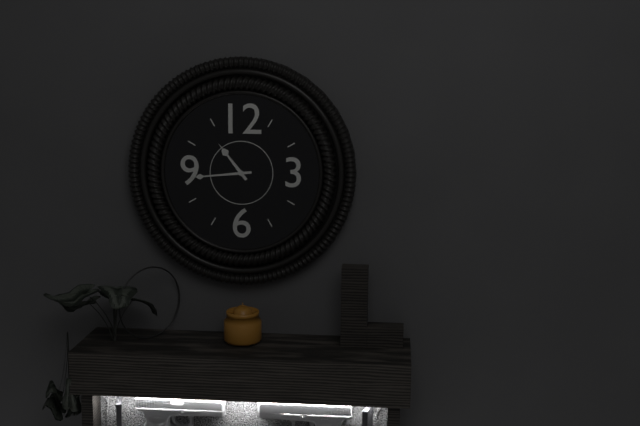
10:44
